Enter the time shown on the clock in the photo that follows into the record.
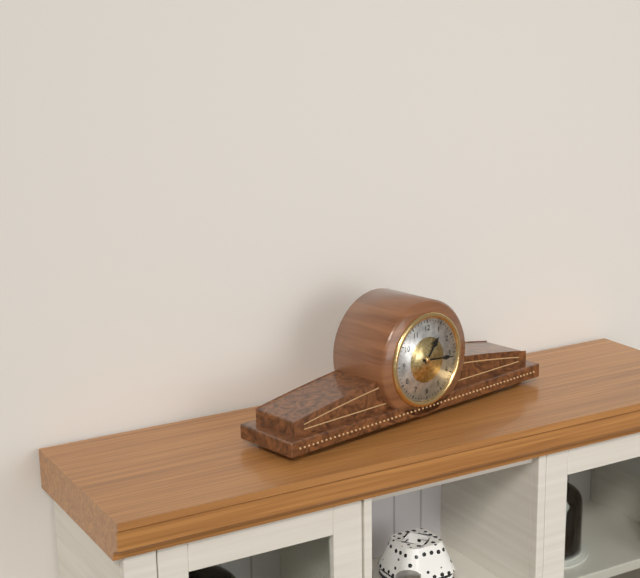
1:16
